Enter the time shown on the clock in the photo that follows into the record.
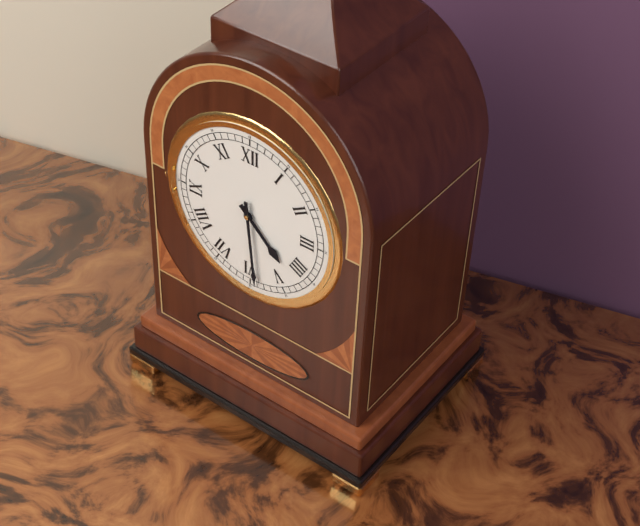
4:29
